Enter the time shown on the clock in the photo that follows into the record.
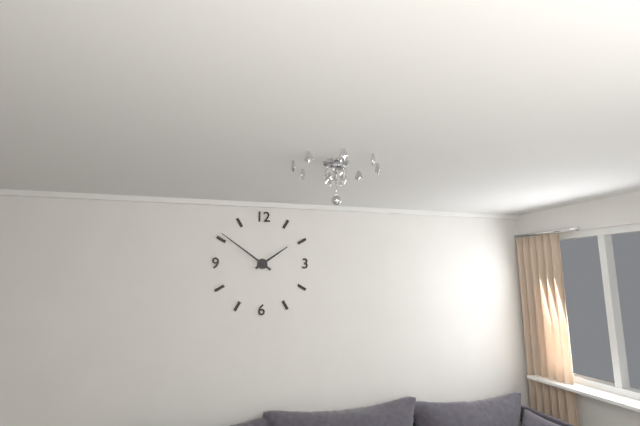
1:51
